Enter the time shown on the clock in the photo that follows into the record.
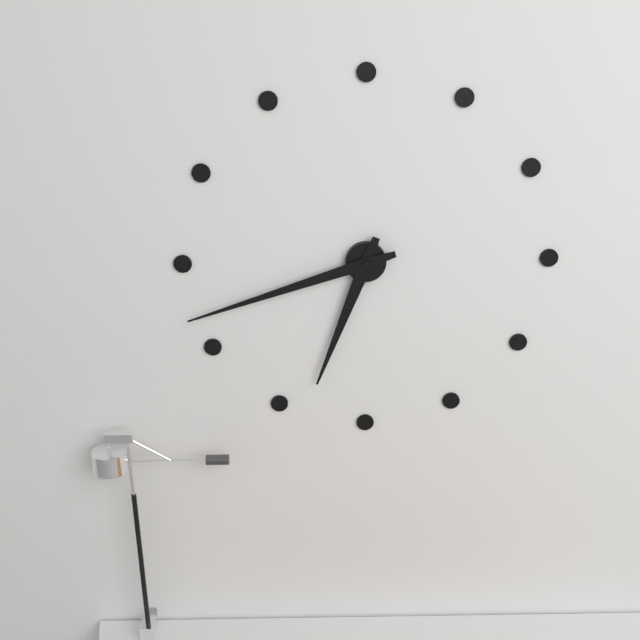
6:42
